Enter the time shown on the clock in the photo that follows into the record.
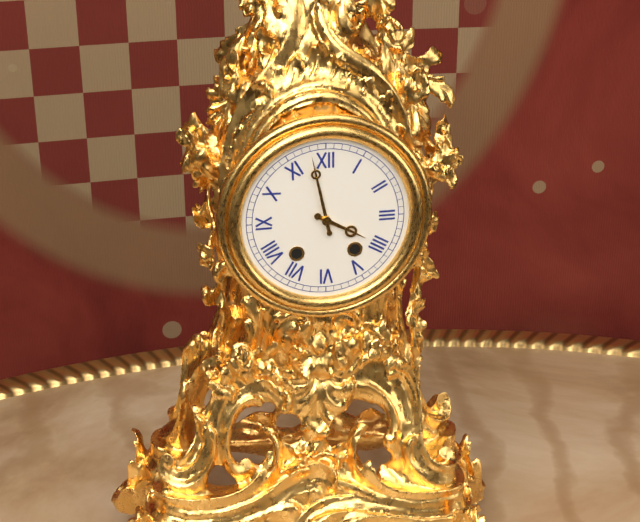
3:58
